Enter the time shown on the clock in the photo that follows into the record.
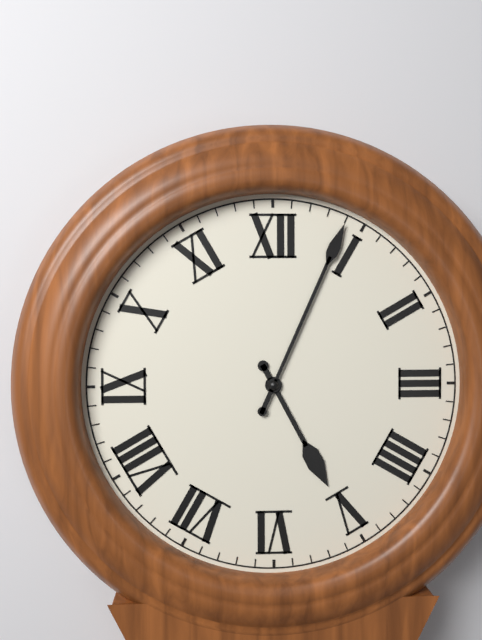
5:04
